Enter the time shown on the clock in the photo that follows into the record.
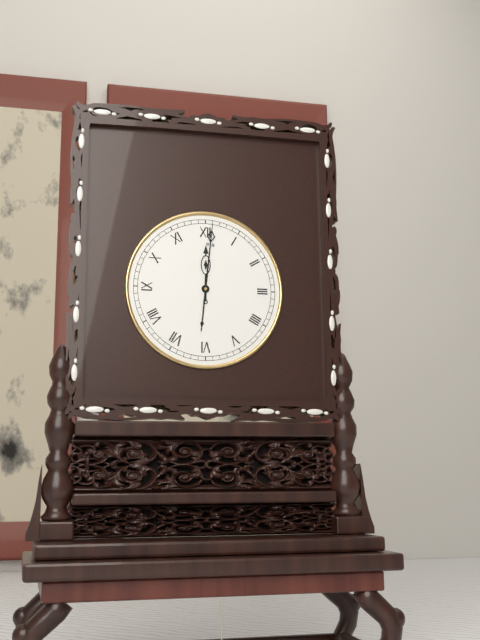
12:01
